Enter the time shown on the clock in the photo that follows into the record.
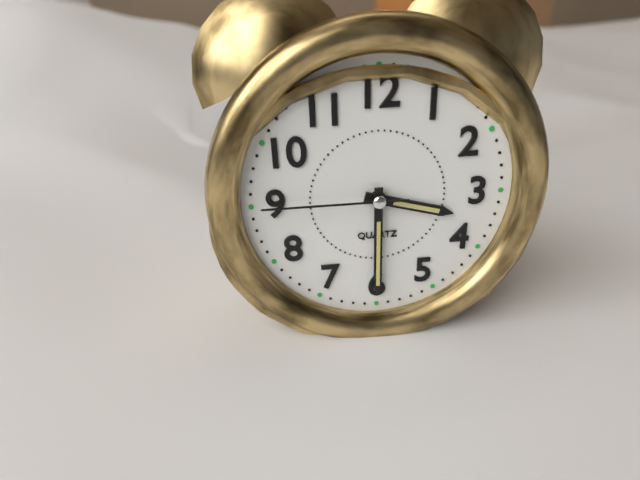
3:30:45
